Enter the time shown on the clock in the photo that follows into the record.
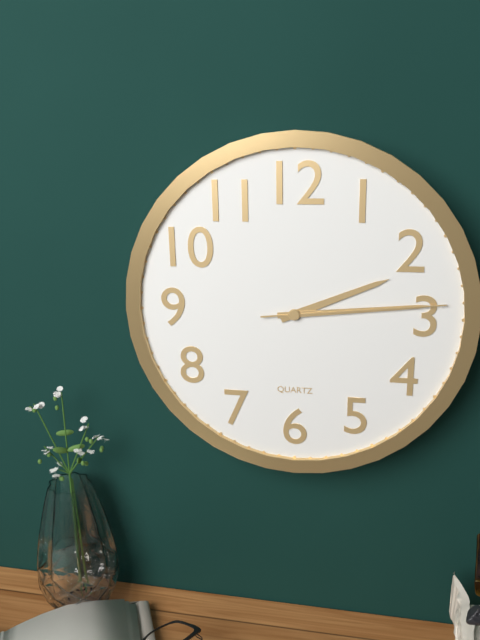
2:14:14
